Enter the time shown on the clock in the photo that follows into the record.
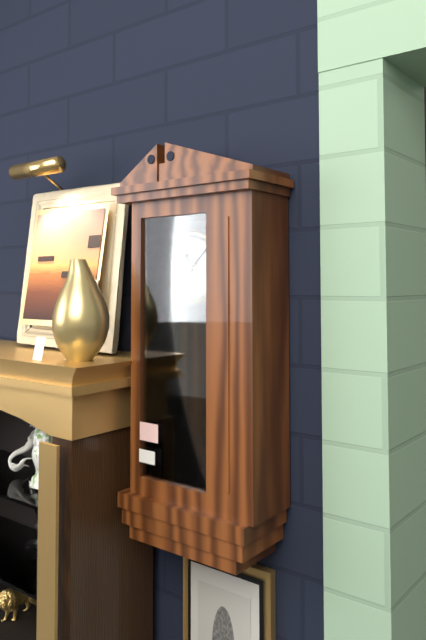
11:08
